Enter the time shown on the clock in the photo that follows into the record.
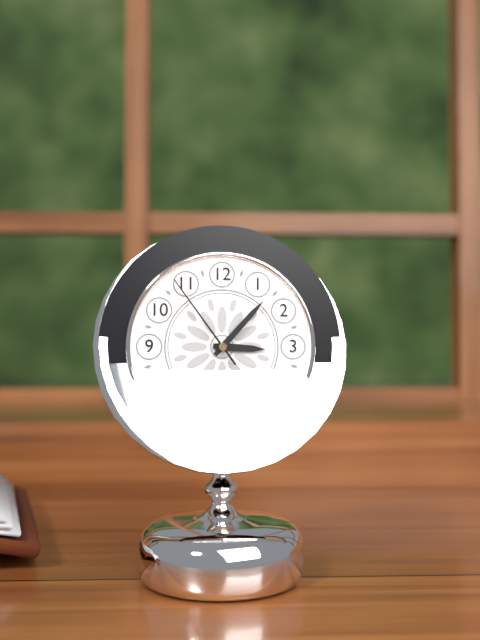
3:07:54
